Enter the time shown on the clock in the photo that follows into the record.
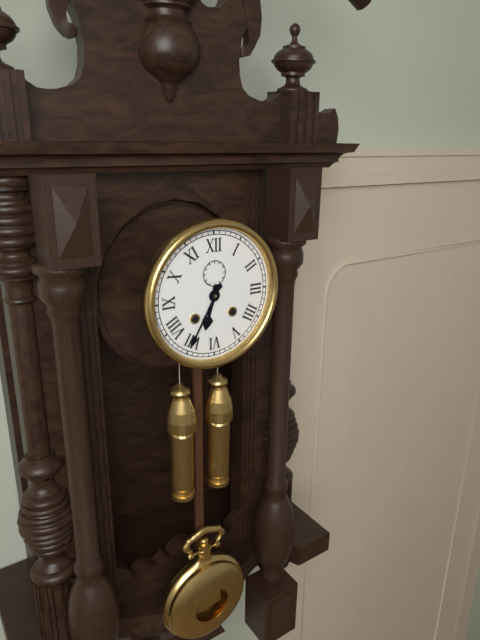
6:35
